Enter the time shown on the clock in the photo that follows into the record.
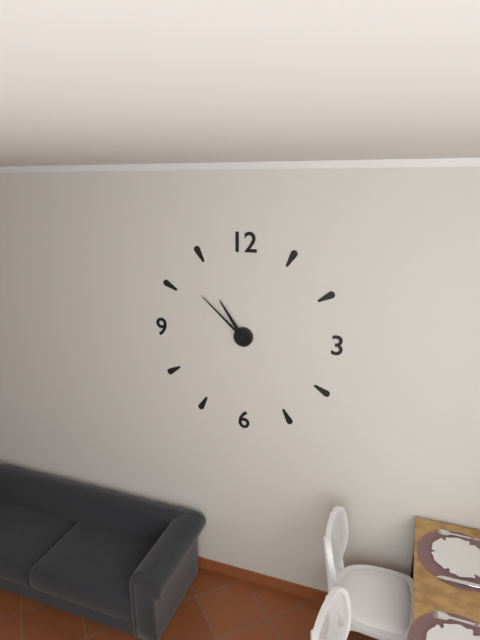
10:52
